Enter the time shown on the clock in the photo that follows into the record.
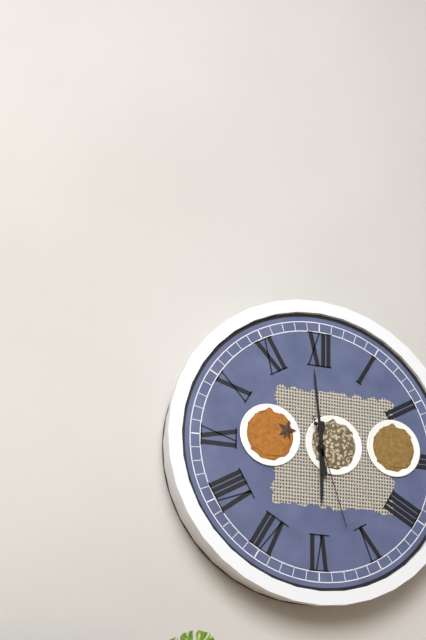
5:59:27
